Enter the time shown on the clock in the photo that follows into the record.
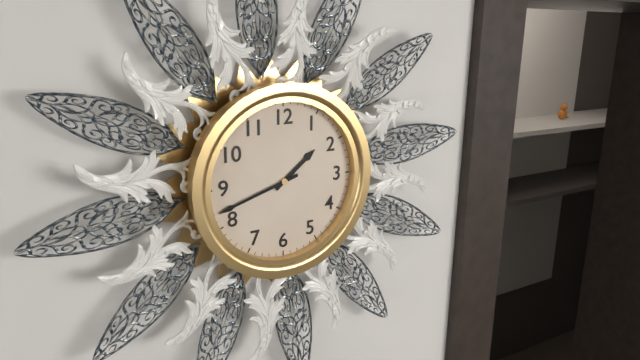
1:42
